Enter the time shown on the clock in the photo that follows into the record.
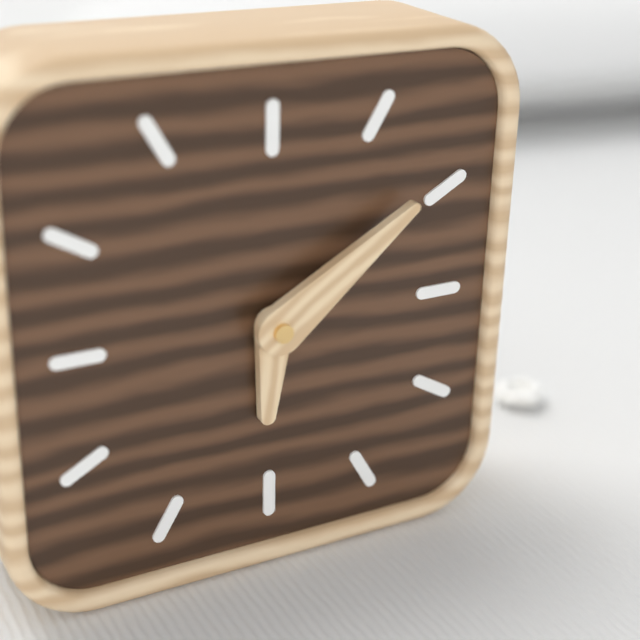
6:09
